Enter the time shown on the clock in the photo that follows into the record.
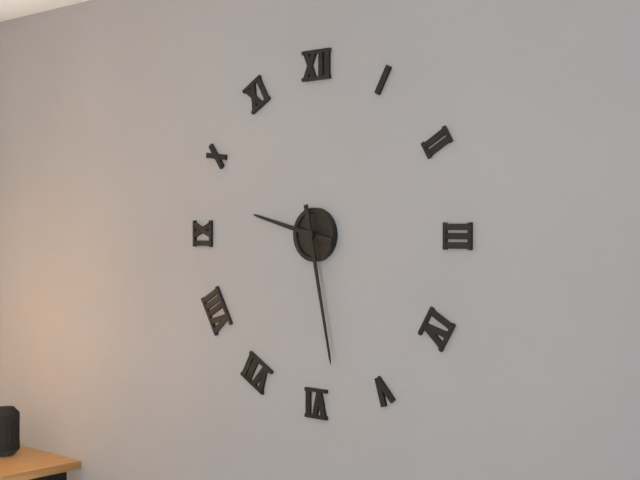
9:28
